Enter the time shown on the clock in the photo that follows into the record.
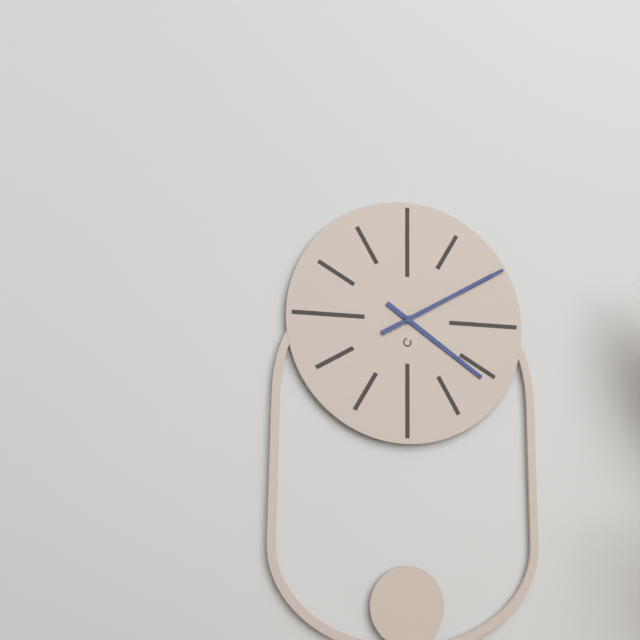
4:10
